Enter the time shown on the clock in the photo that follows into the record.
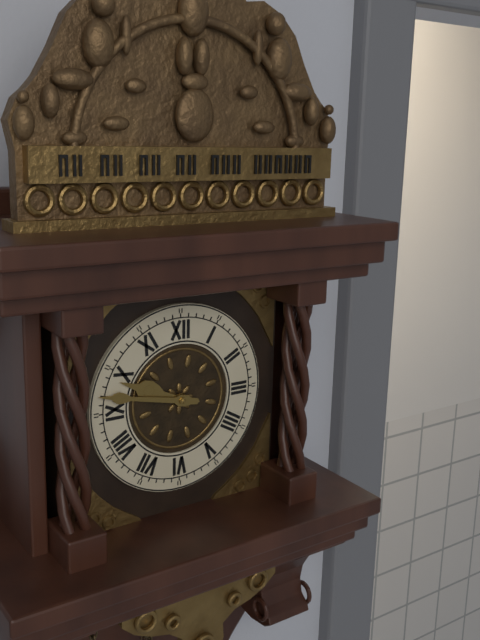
9:47
